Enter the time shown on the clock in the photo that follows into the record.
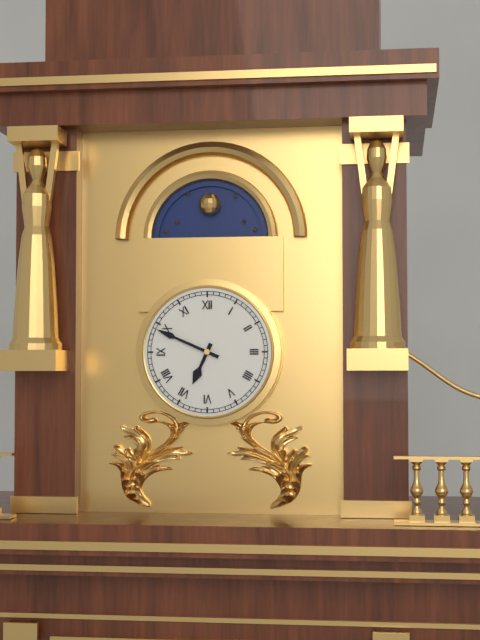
6:49
